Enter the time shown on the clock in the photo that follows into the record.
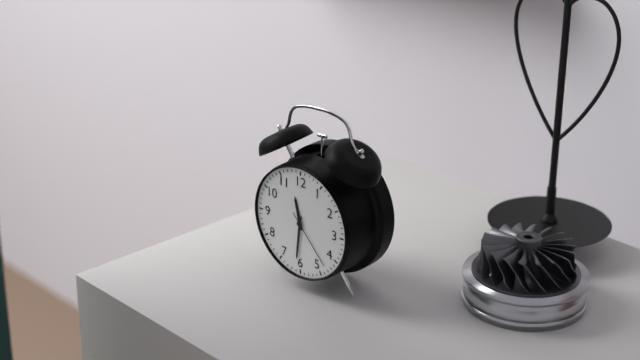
11:31:23
